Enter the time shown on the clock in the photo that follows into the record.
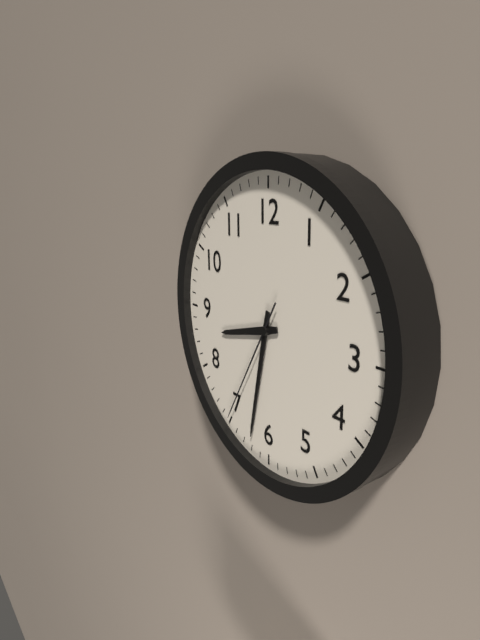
8:32:35
